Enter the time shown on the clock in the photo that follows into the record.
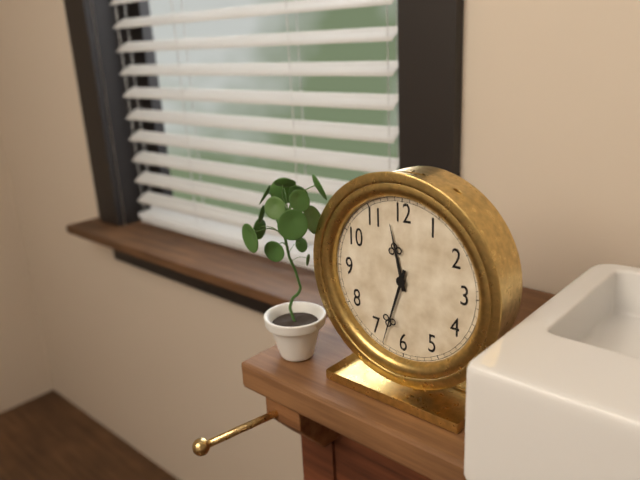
11:33
